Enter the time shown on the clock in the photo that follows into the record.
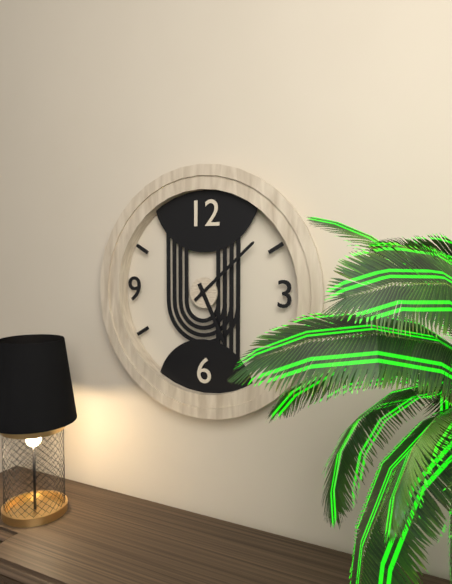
5:08
